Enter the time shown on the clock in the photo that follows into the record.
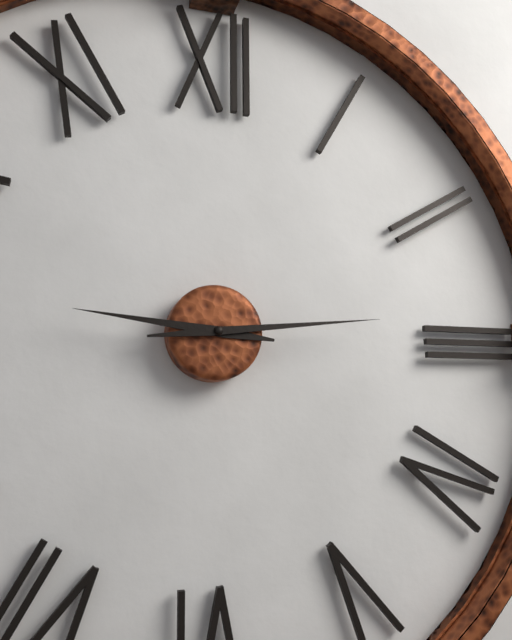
9:14
